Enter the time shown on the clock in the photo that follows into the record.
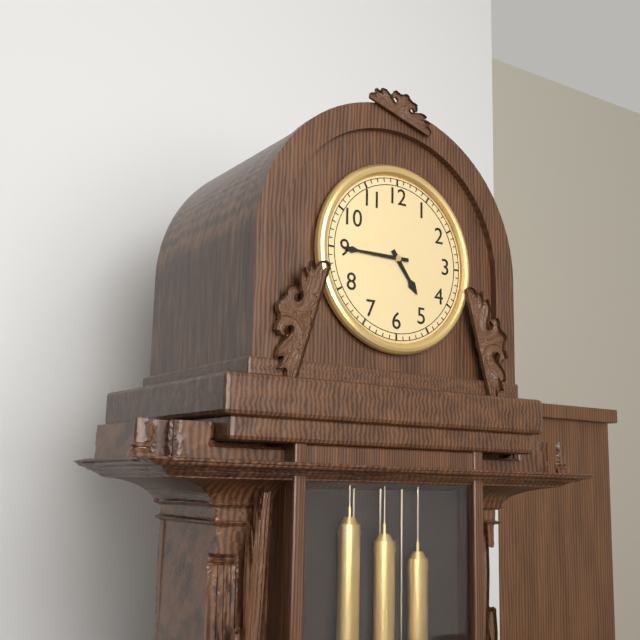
4:45
